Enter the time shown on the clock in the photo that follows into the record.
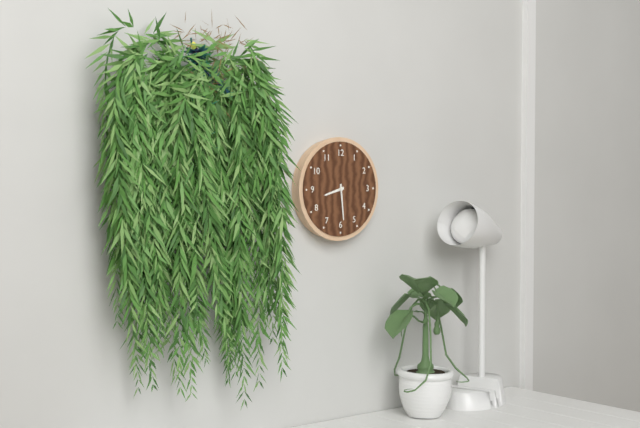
8:29
